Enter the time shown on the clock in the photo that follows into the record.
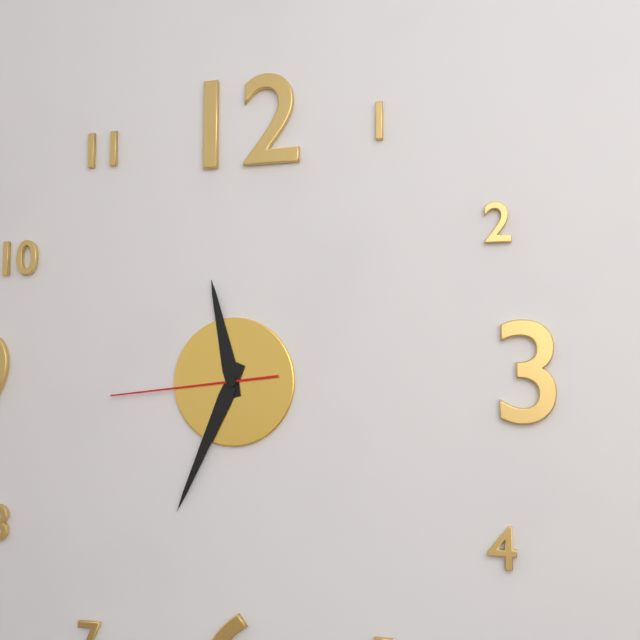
11:34:44
